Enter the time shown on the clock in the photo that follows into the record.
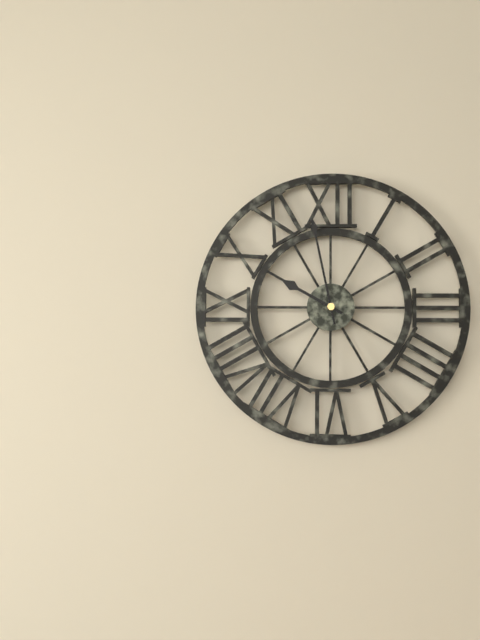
9:58
